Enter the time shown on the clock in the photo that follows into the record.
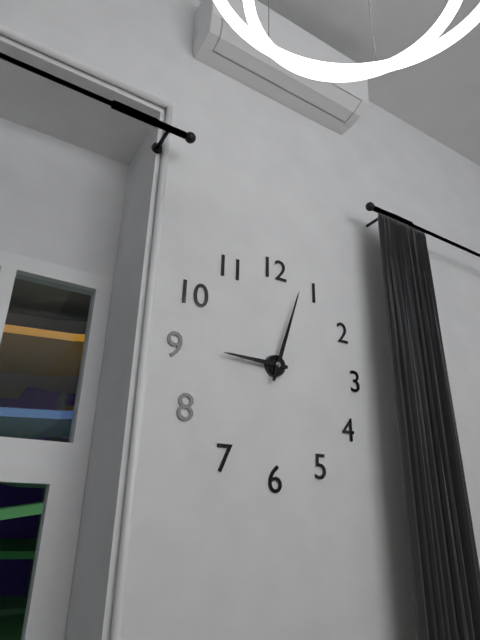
9:03
